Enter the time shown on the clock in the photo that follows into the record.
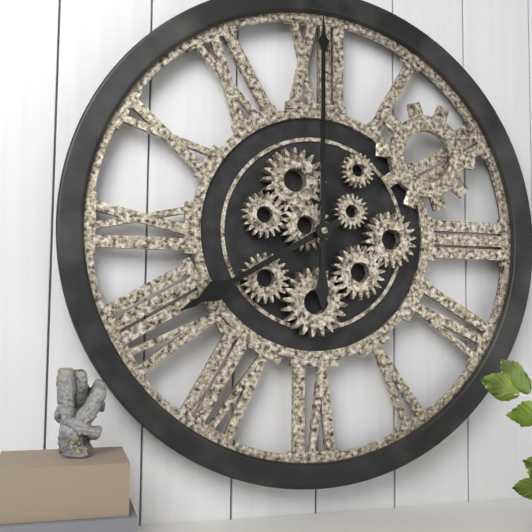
8:00
